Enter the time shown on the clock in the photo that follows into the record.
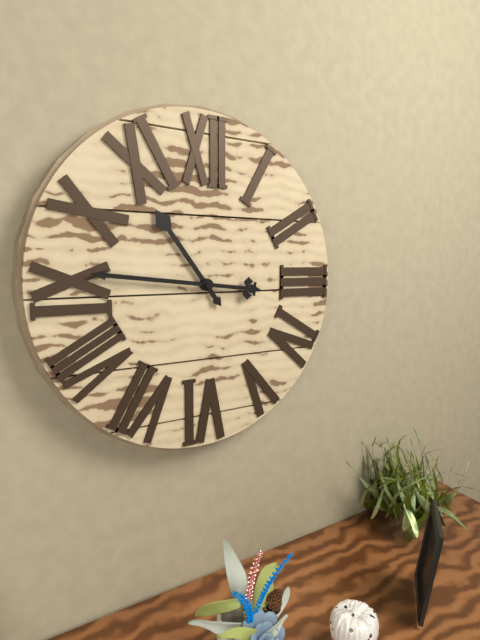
10:46
